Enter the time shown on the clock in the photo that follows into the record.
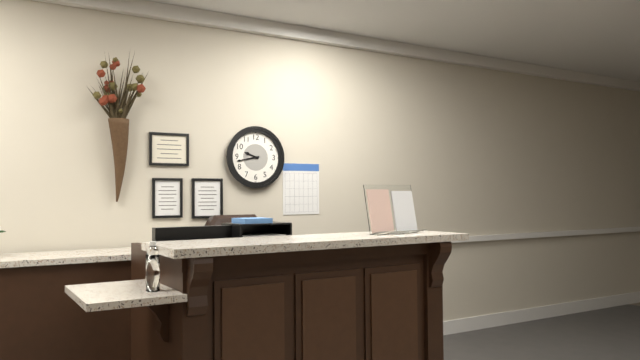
9:43
